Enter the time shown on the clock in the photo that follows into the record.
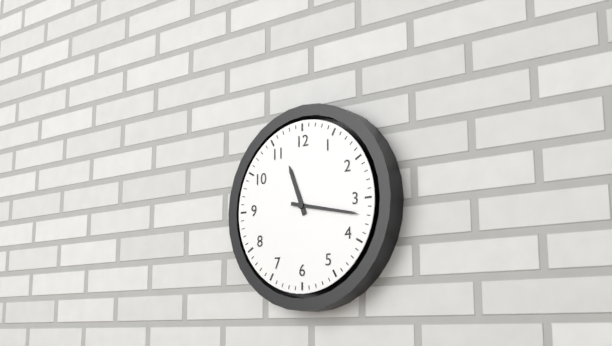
11:17
